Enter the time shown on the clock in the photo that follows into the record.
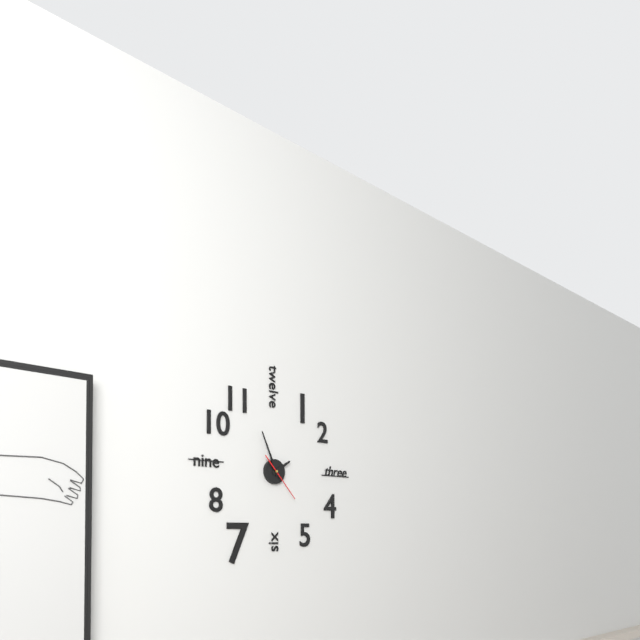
1:56
